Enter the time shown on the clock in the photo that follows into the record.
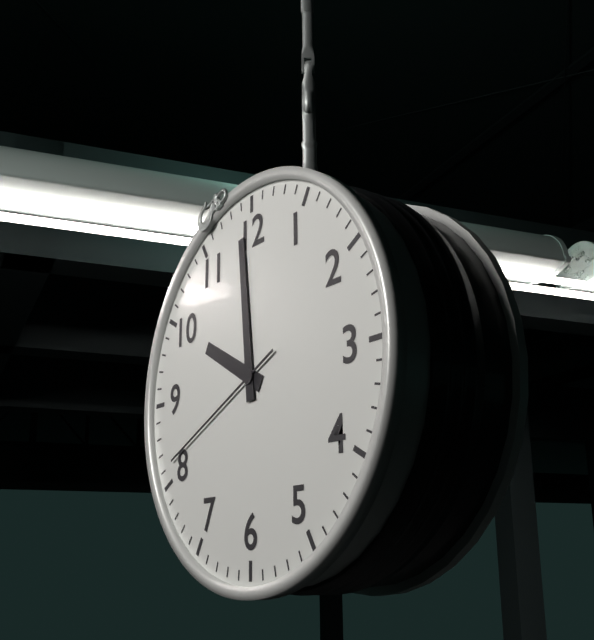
9:59:41
